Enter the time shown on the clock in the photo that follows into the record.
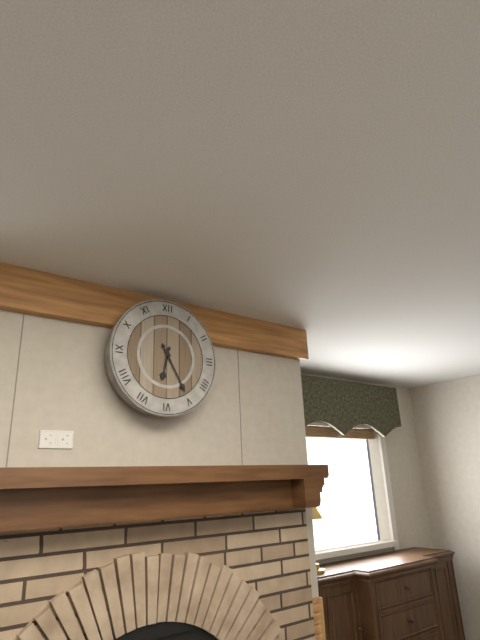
6:25
